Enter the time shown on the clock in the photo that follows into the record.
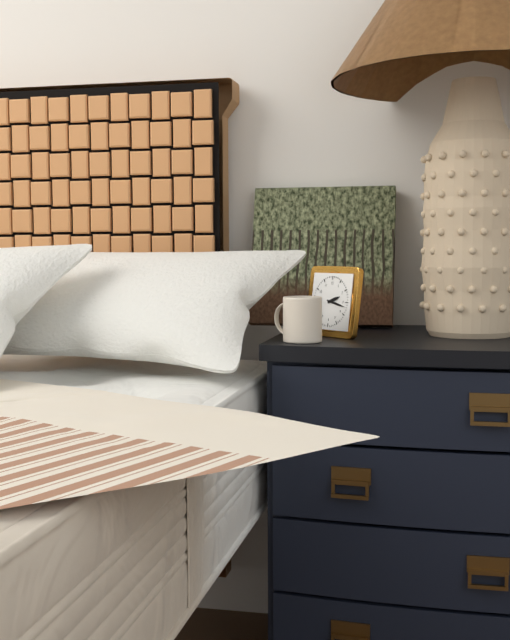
2:17
